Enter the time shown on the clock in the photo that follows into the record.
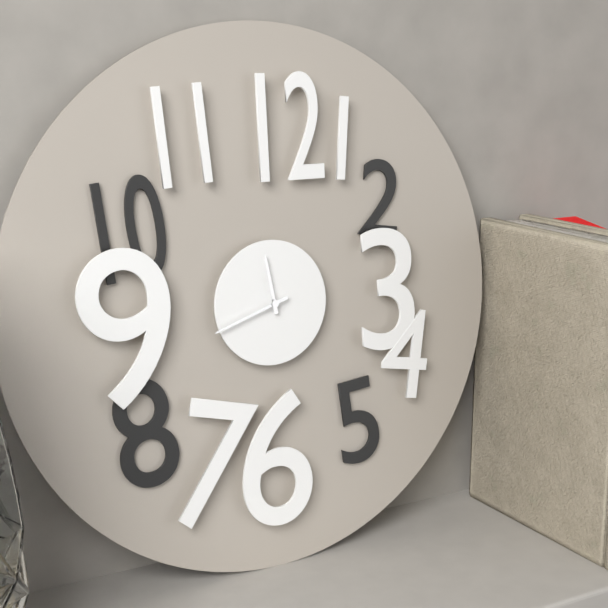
11:42
